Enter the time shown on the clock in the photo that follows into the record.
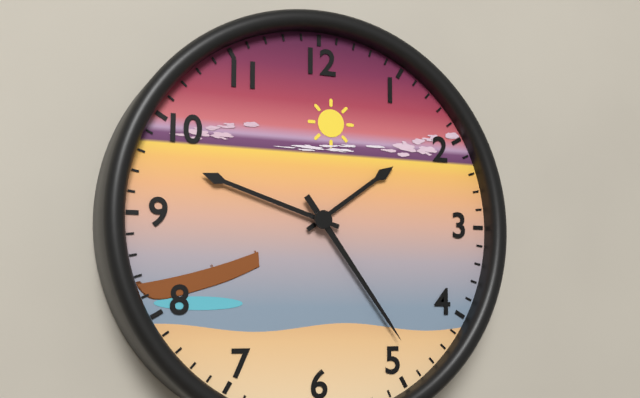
1:48:24
